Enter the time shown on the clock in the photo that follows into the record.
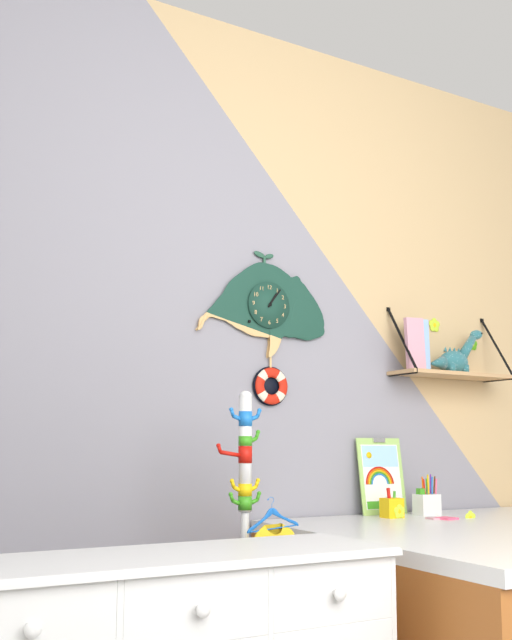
1:06
